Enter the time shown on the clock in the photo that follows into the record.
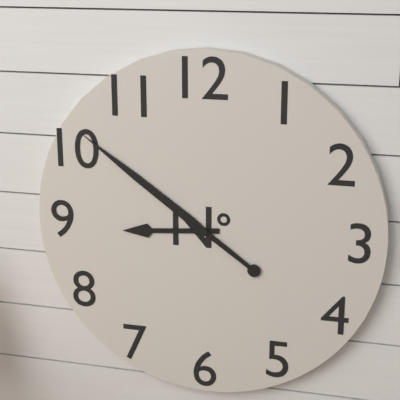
8:51
